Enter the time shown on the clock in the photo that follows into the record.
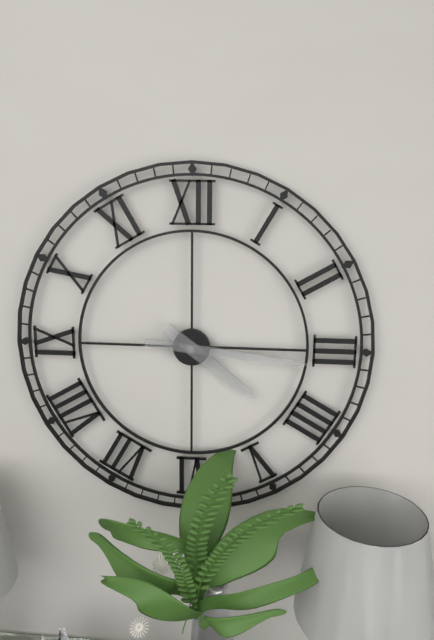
4:16
